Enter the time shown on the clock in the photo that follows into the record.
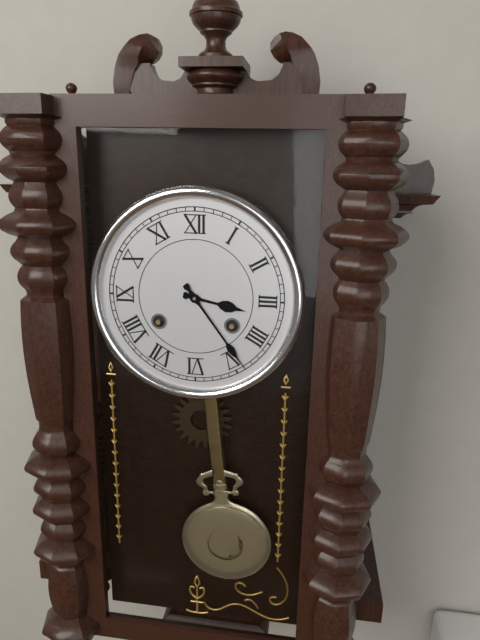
3:24
